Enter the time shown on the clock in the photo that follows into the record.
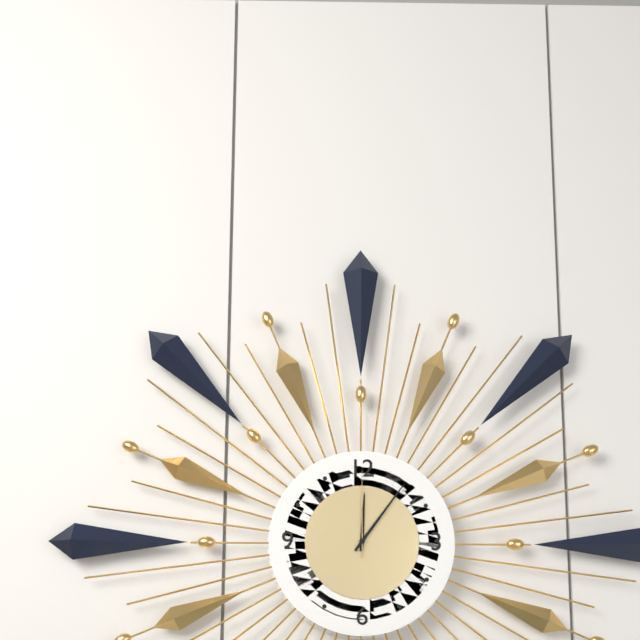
12:06:00
